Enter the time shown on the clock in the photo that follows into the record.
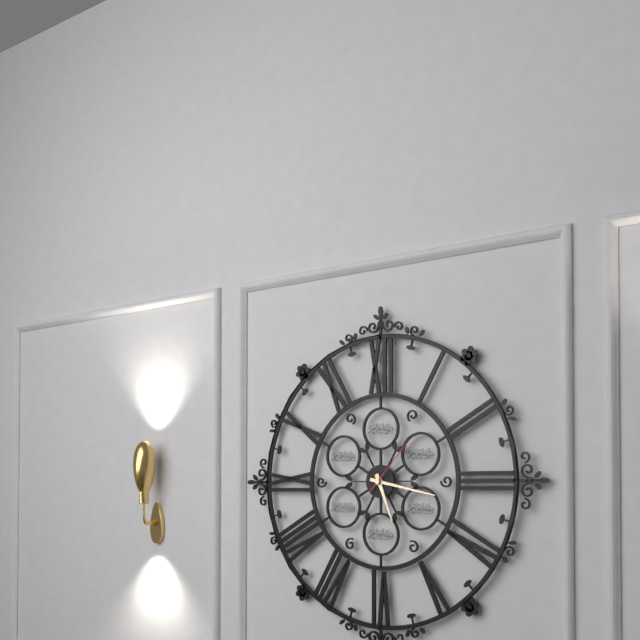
5:17:07
